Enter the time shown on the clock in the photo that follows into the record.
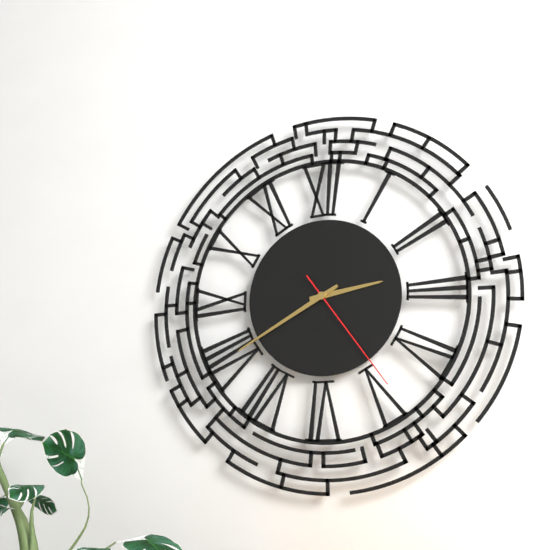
2:40:24
